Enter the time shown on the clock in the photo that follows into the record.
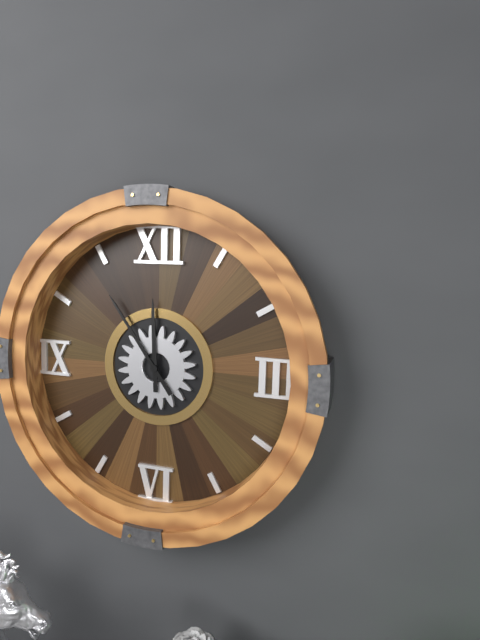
11:54
